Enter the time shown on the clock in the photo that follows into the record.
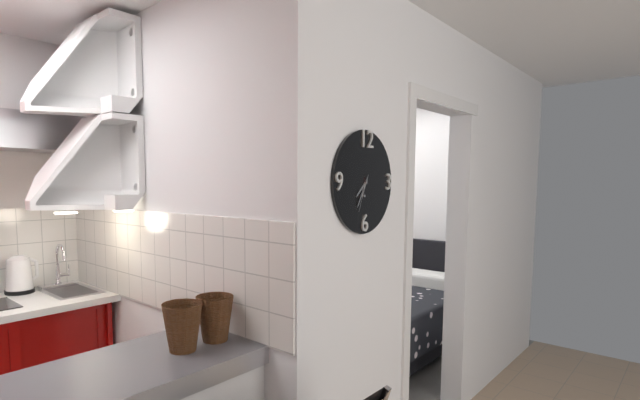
7:35
